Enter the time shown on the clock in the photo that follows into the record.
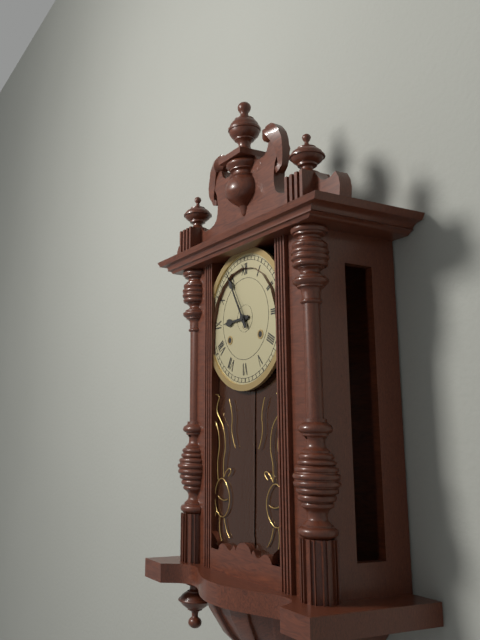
8:55
